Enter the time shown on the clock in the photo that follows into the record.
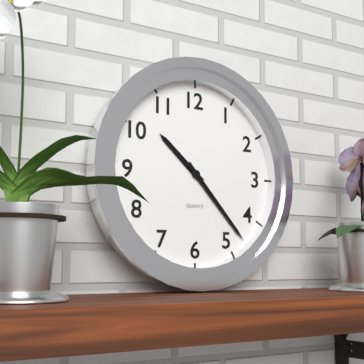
10:23
